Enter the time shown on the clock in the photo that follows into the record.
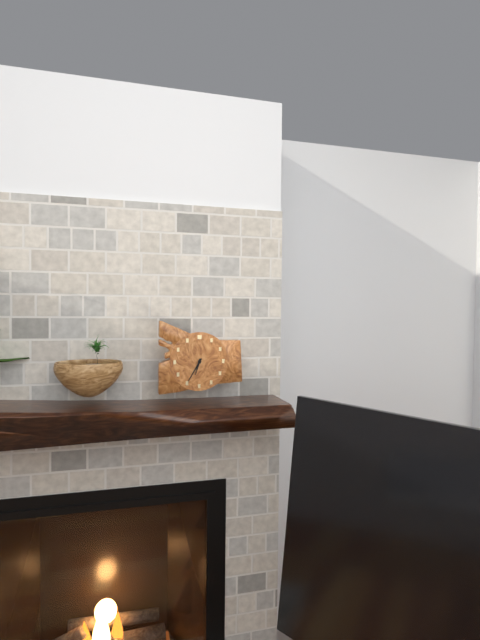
6:35
